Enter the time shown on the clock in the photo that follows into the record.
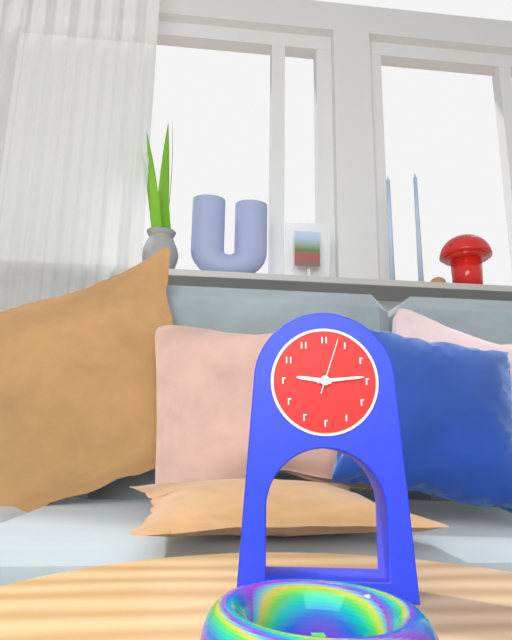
9:14:03
